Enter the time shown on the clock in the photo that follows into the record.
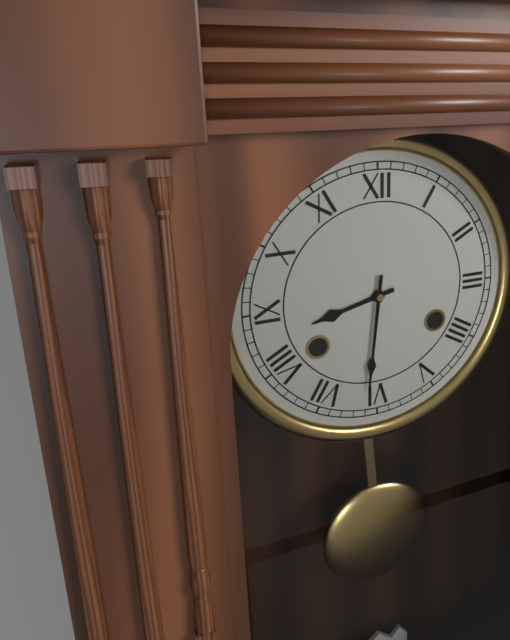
8:31
